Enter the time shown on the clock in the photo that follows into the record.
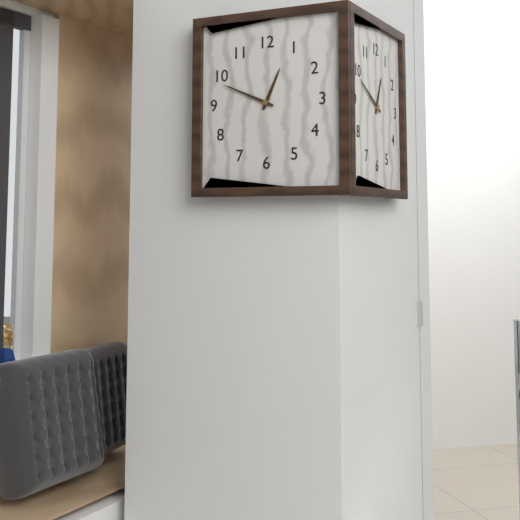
12:49
